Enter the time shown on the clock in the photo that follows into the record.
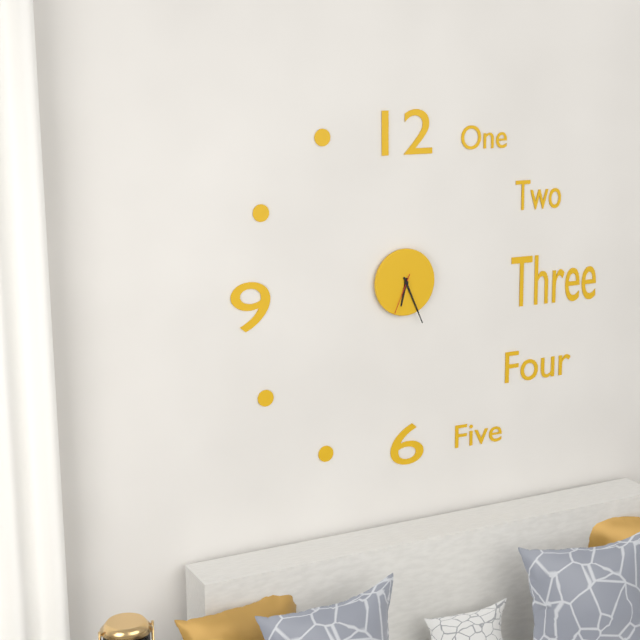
6:26
